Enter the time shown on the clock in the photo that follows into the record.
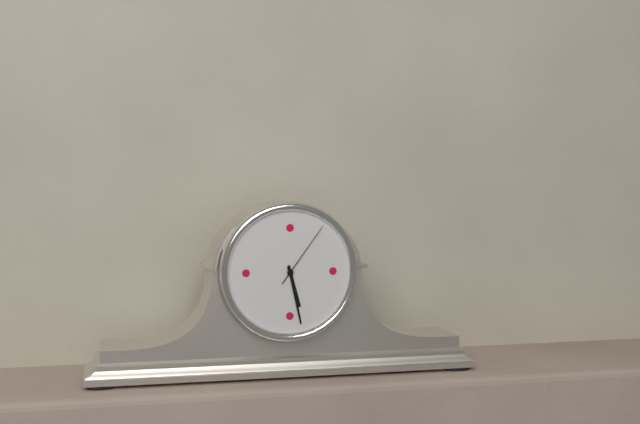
5:28:06
